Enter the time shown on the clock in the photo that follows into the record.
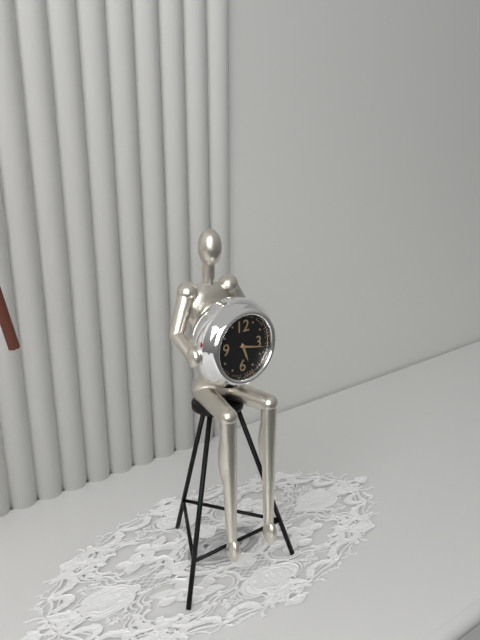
5:17
